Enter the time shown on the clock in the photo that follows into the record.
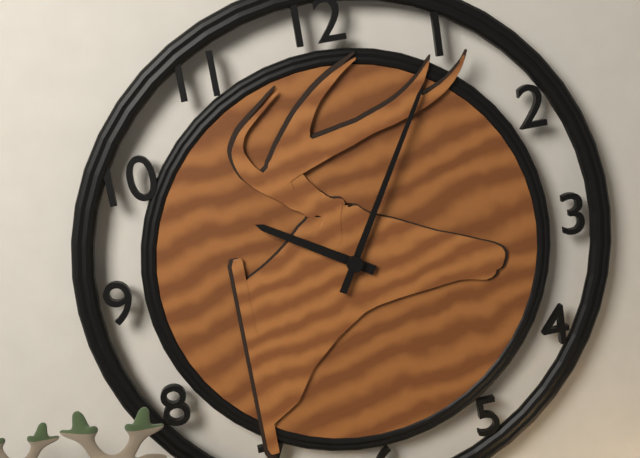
10:05
